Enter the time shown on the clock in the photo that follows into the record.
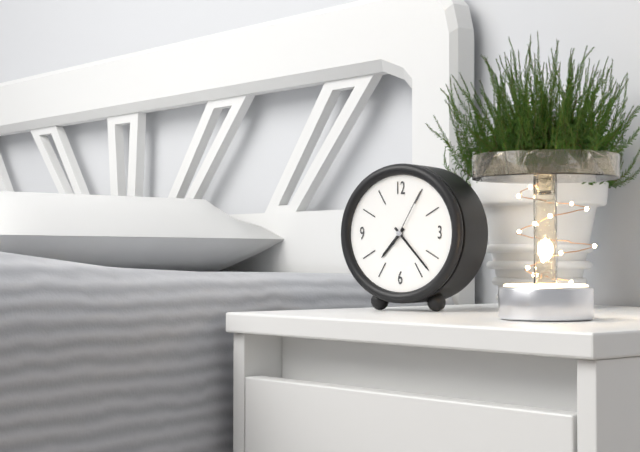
7:23:05
